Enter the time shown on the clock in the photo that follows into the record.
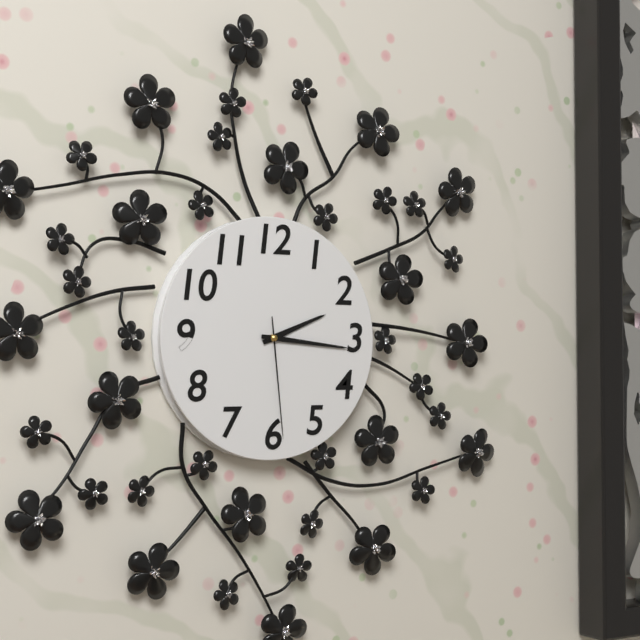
2:16:29
